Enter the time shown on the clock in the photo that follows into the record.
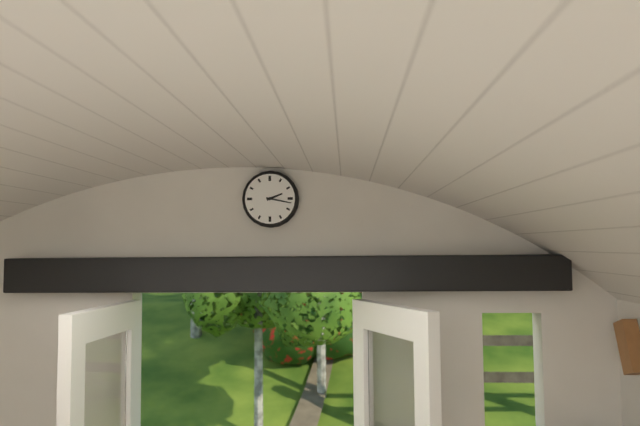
2:17
